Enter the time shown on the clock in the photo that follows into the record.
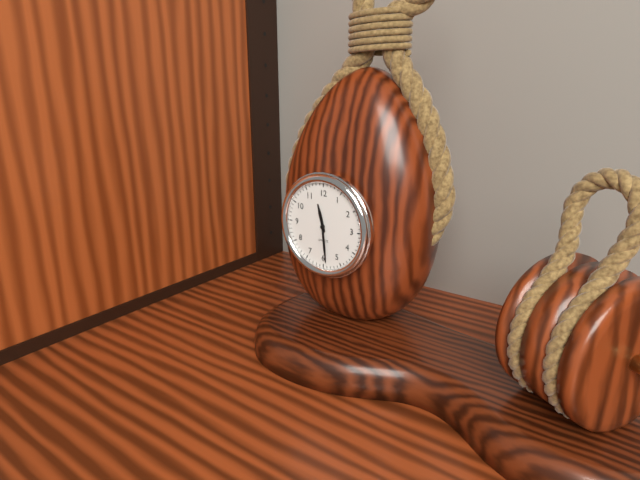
11:29
